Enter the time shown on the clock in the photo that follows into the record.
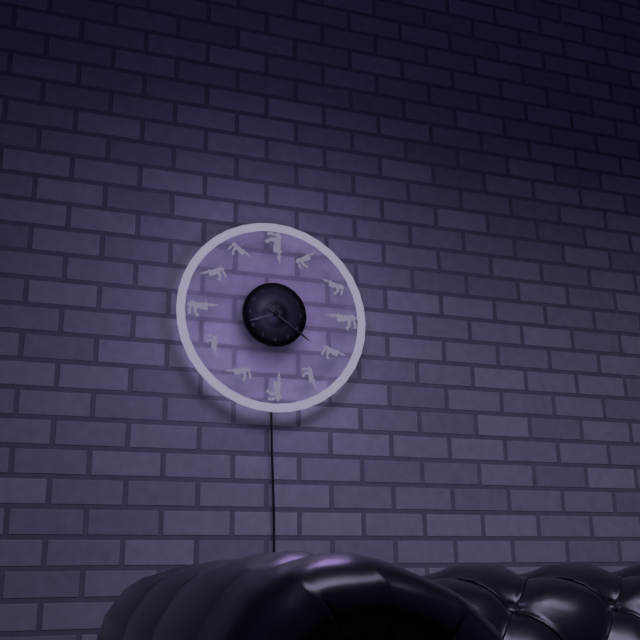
8:21
